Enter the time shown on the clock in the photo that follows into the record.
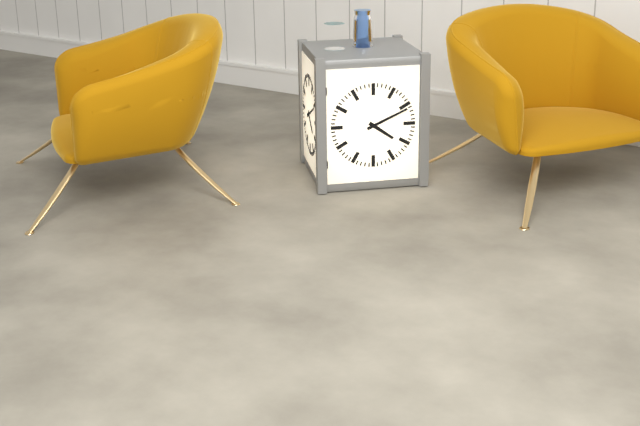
4:11
